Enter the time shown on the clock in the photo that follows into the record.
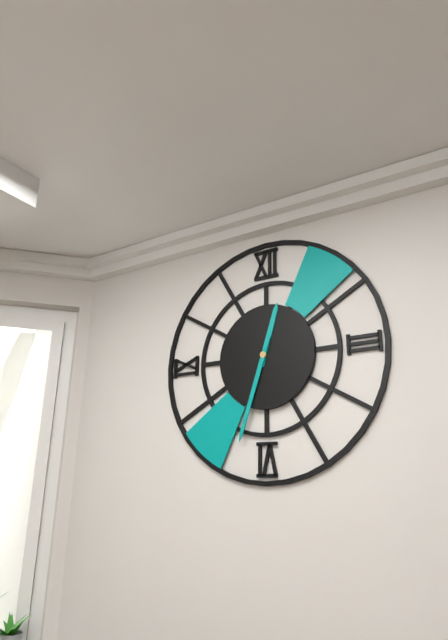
12:33
